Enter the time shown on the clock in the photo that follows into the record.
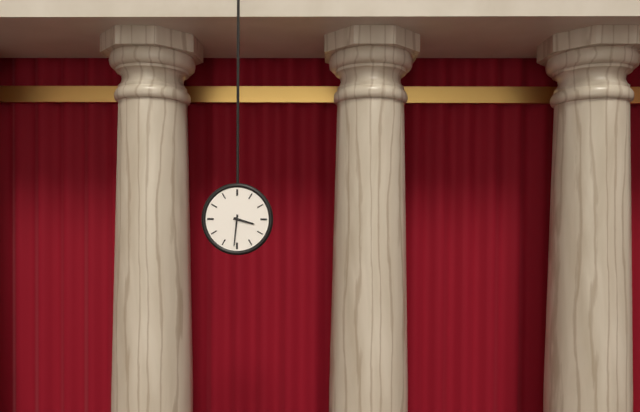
3:31
